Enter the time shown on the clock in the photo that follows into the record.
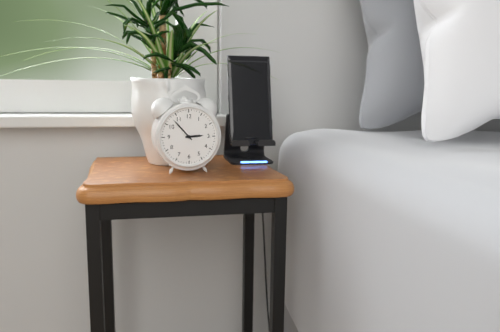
2:53
